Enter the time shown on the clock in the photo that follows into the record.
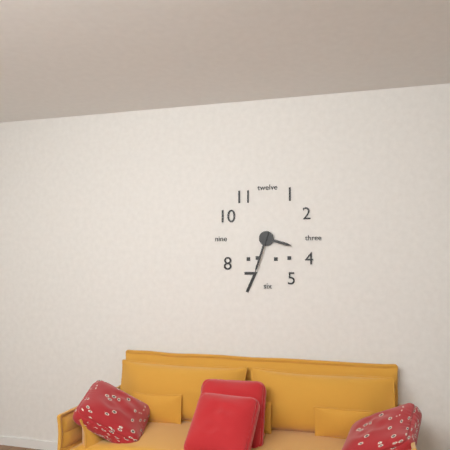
3:33
